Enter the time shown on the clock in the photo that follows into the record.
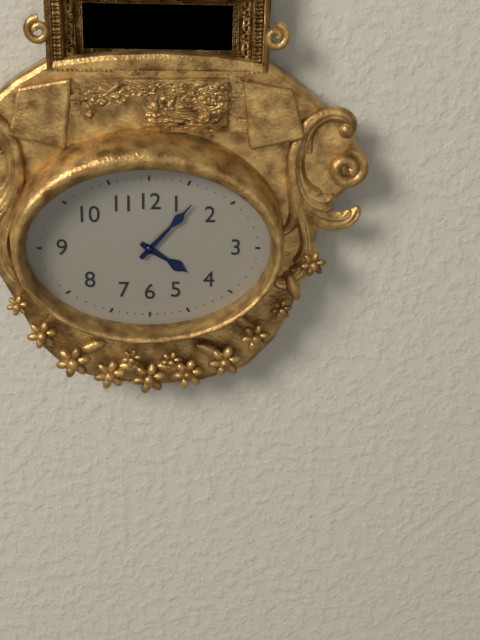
4:07
